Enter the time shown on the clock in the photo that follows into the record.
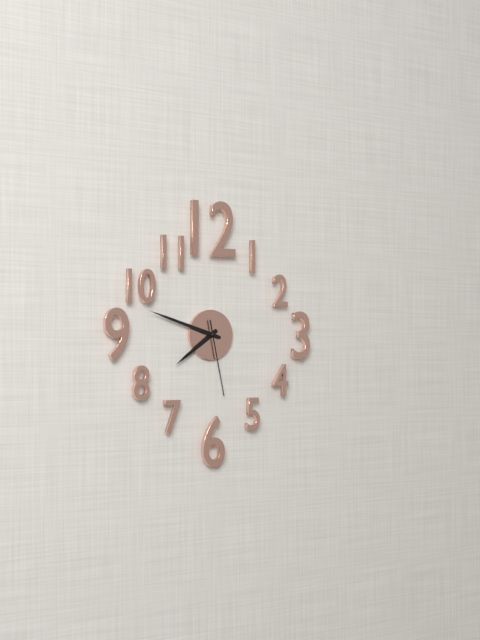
7:48:28
